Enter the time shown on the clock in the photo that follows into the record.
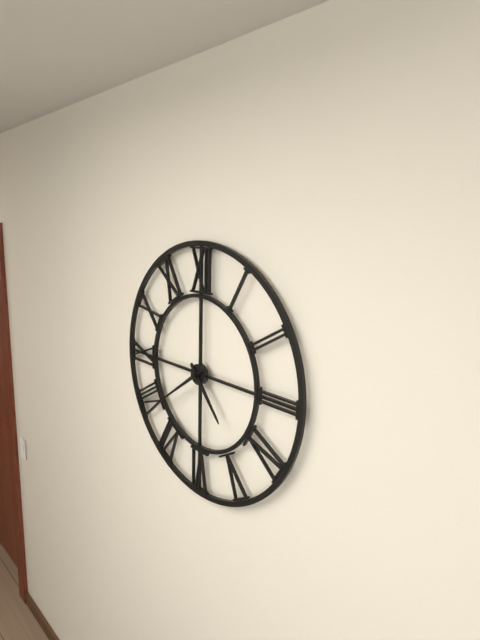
4:39
